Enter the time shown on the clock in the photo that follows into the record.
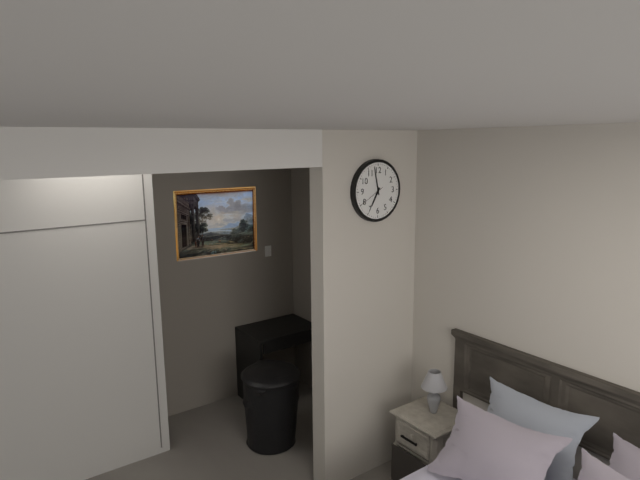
6:58
